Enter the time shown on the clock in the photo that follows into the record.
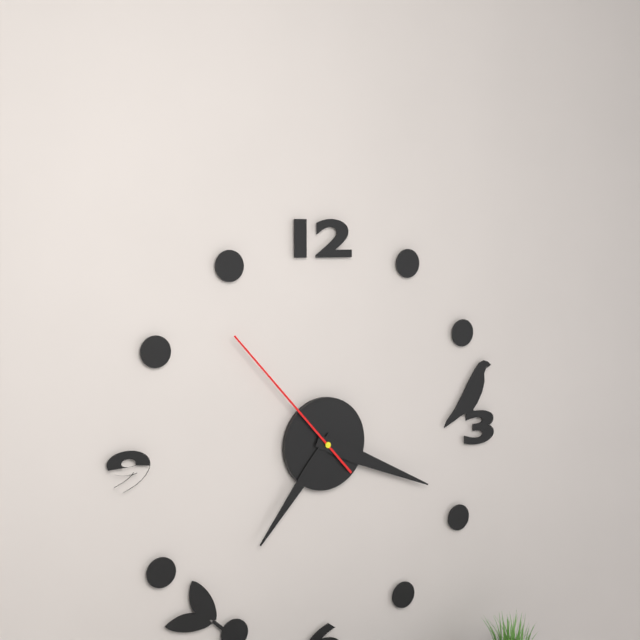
7:19:53
